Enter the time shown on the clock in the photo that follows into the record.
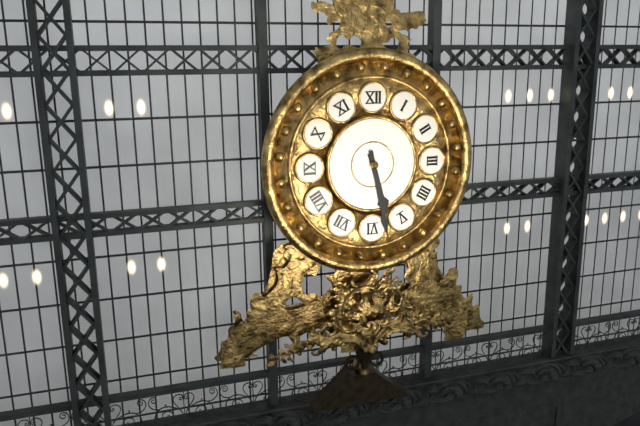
5:28
